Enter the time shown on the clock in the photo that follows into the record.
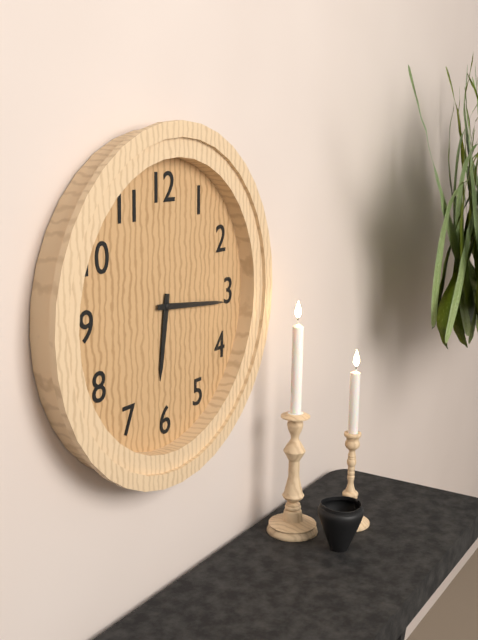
6:16
